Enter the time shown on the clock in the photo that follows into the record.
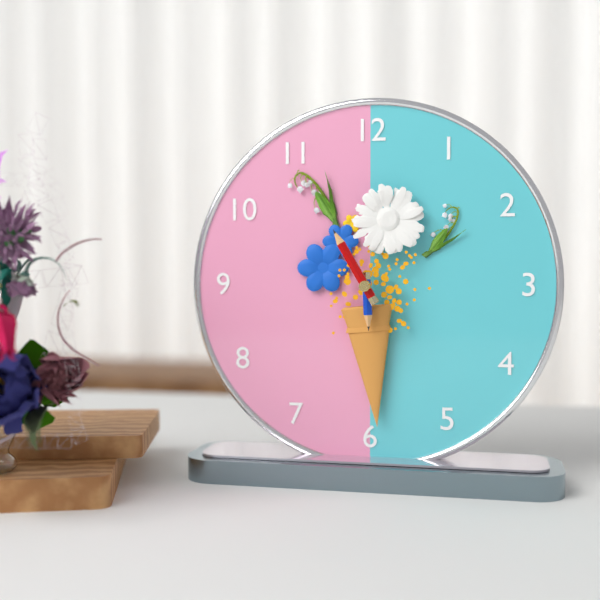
5:55
